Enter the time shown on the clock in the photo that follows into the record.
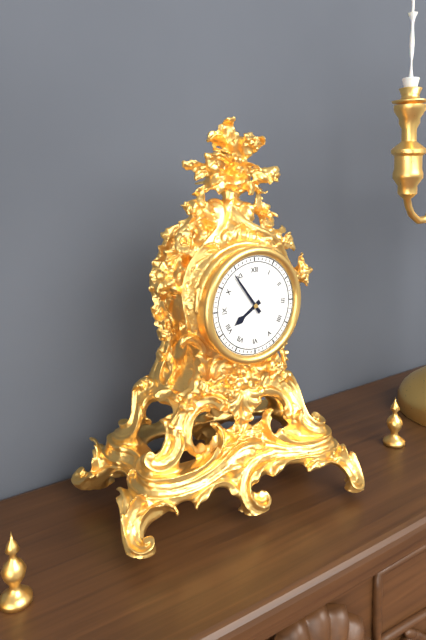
7:54
